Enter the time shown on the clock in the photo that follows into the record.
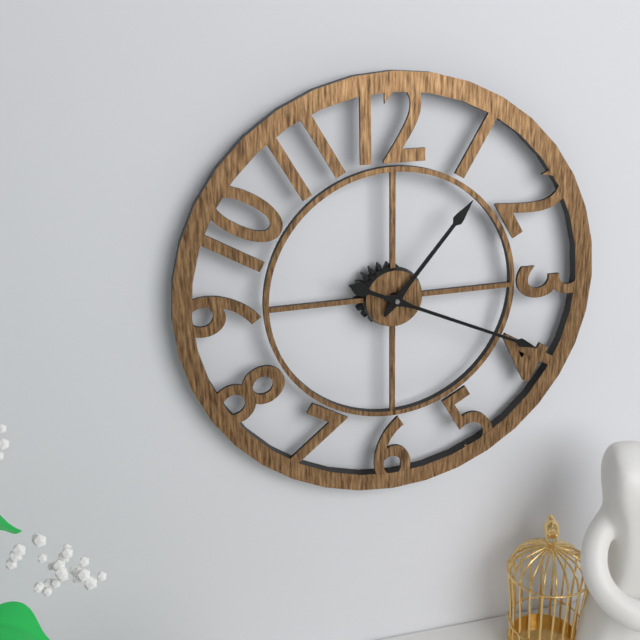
1:19
